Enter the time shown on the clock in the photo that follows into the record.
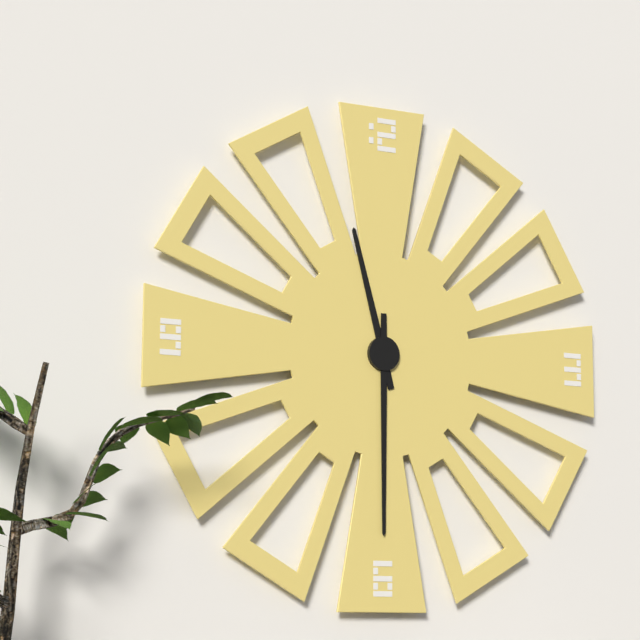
11:30
